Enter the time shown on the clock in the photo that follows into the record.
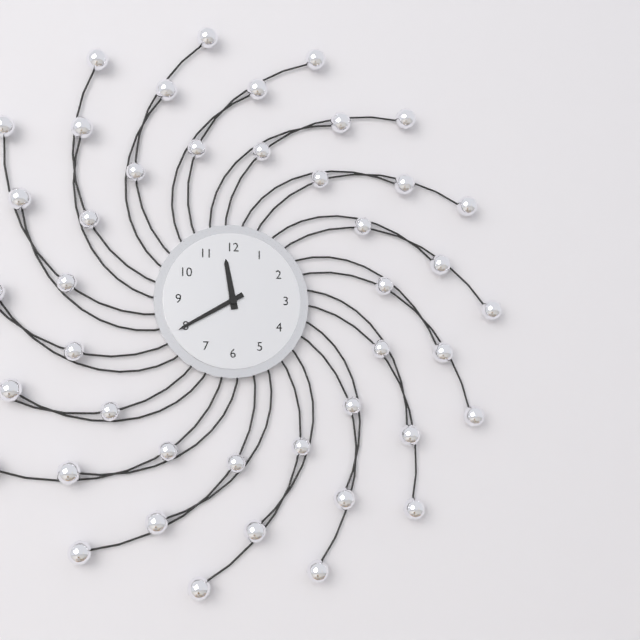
11:40
